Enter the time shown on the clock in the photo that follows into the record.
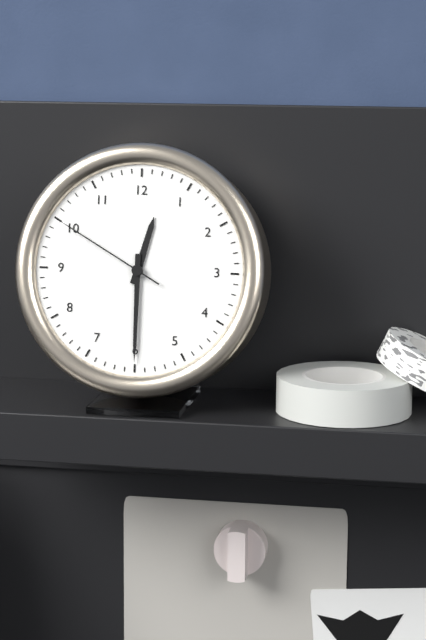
12:30:50
